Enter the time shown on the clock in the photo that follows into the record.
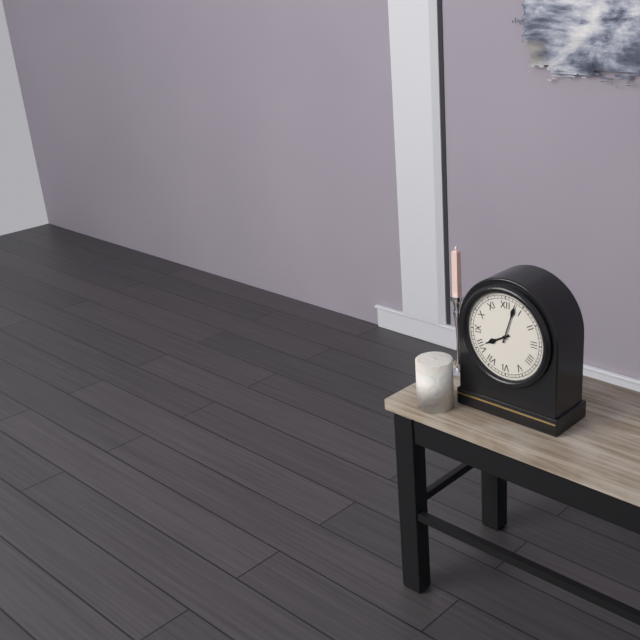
8:03
